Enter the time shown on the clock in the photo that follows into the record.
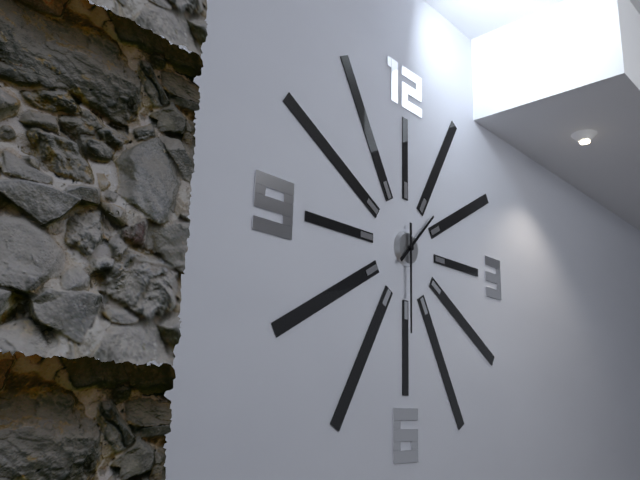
1:30
